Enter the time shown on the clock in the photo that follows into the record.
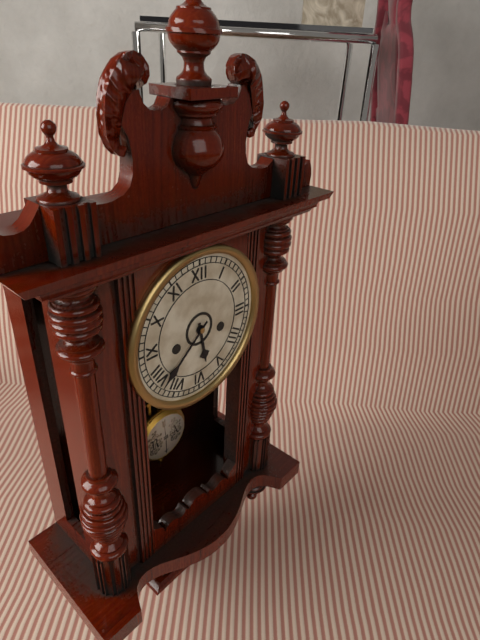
5:38
